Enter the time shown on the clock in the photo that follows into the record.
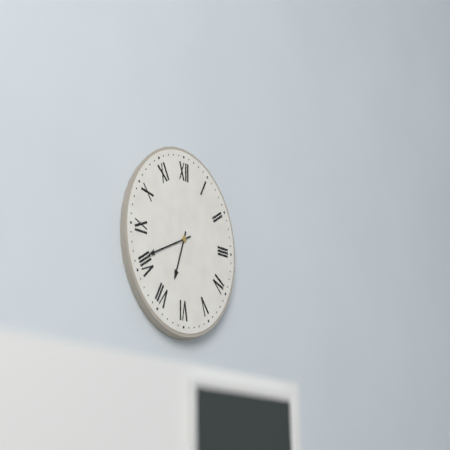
6:41
